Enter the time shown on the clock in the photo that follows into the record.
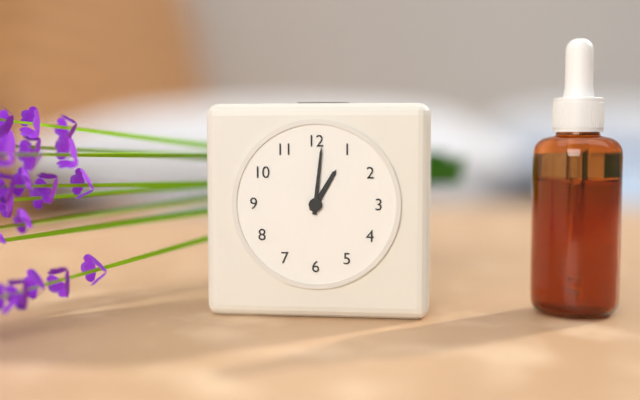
1:01
